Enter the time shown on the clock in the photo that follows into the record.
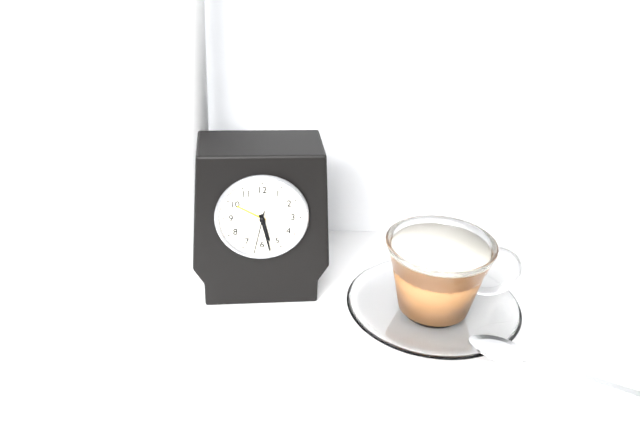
5:28
